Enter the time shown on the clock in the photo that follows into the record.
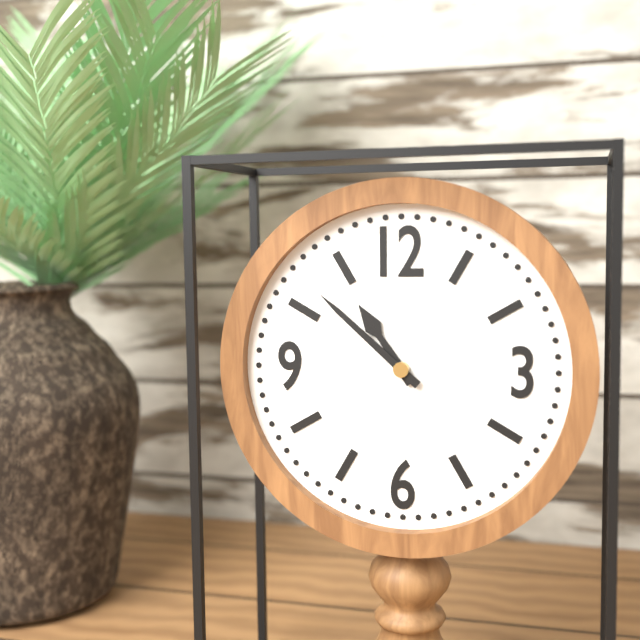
10:52
